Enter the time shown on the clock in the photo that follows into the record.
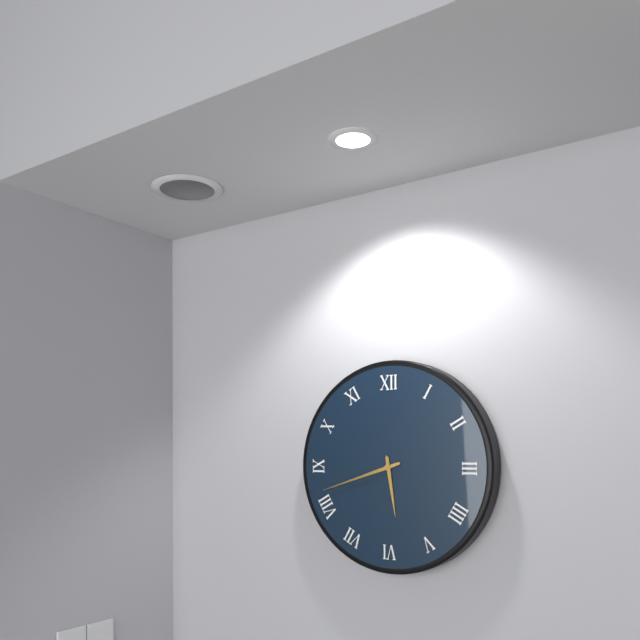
5:42
